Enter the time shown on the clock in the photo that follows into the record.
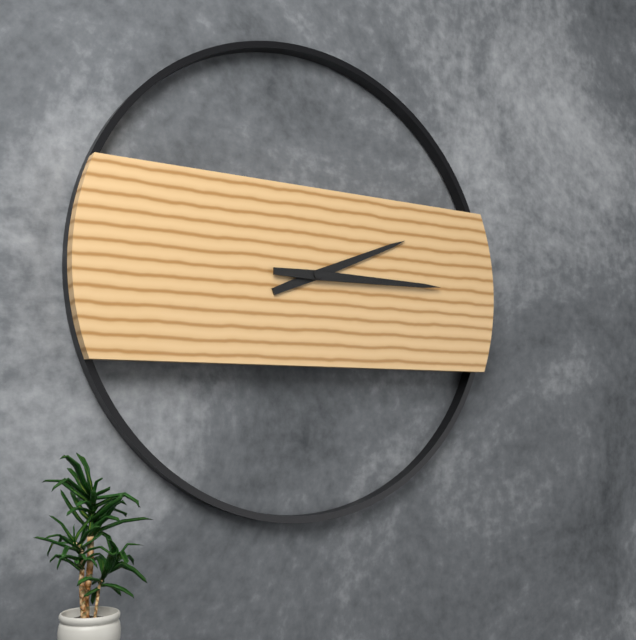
2:15
